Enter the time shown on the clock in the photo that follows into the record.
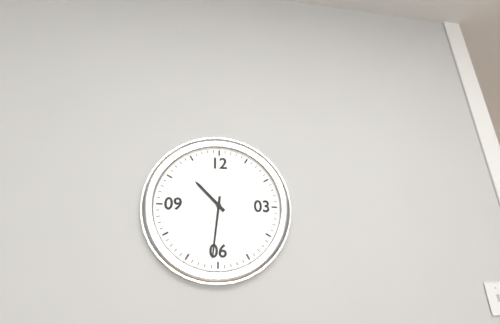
10:31
